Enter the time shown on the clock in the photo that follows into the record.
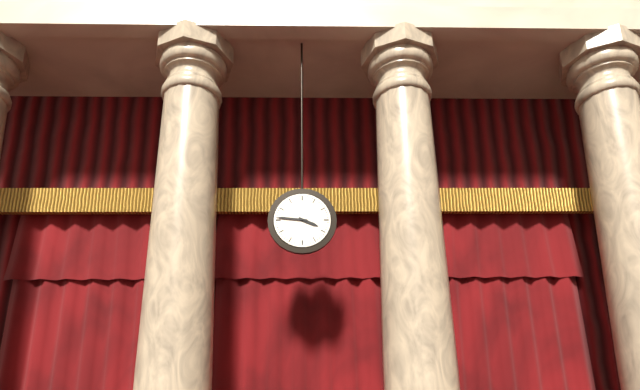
3:46
